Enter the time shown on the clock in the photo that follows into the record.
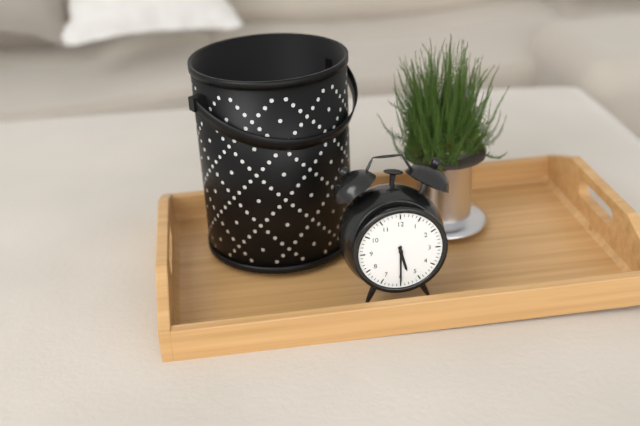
5:30
